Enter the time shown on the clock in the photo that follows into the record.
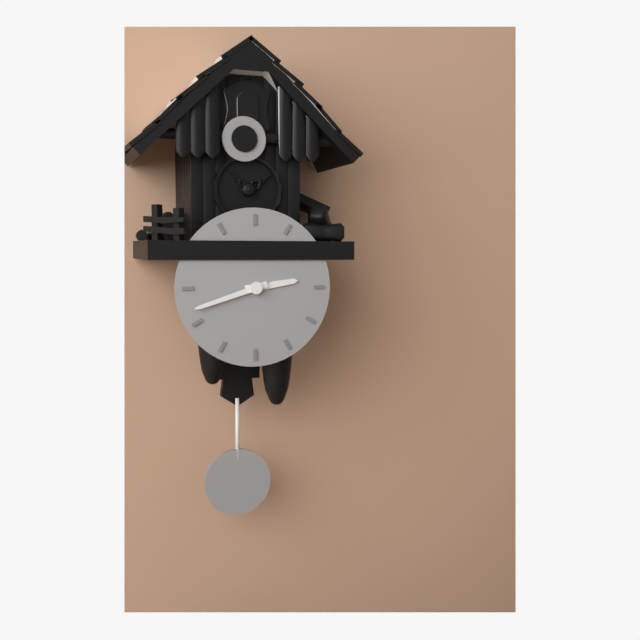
2:42
